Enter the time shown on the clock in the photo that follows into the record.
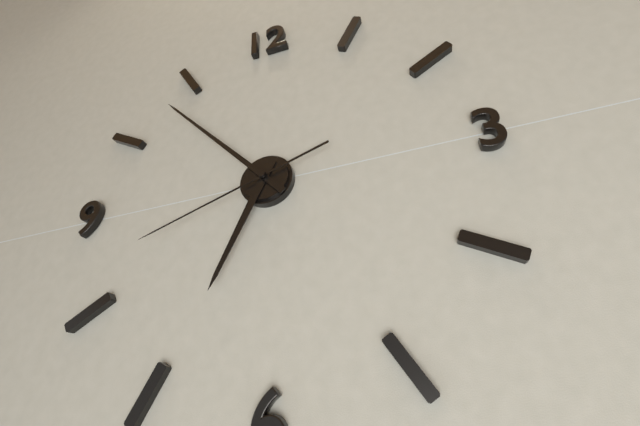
6:53:42
